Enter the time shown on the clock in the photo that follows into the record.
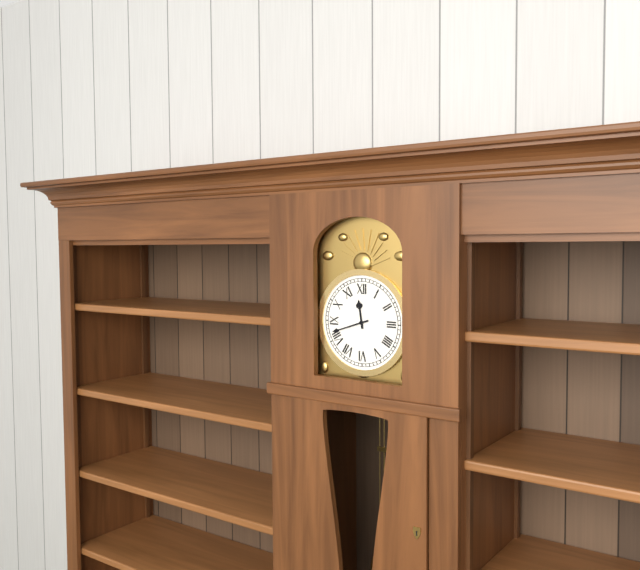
11:42
